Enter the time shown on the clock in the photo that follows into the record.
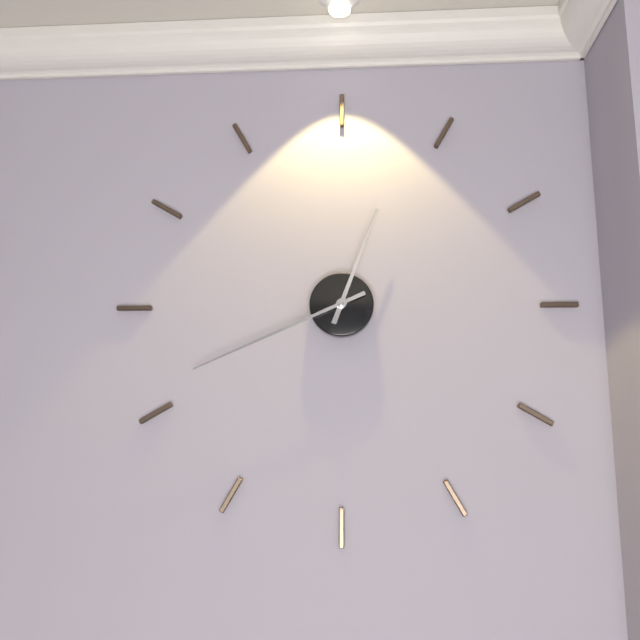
12:41
